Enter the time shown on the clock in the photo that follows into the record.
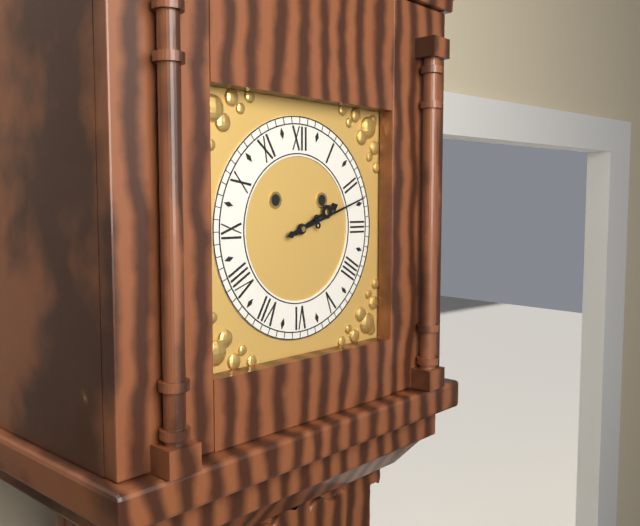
2:12
